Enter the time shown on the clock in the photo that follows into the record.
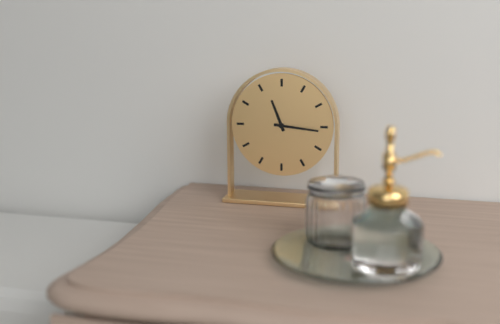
11:16
